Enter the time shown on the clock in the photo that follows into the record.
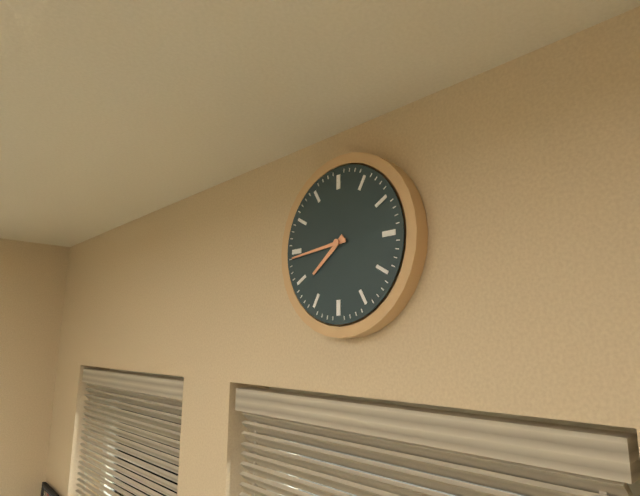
7:44
